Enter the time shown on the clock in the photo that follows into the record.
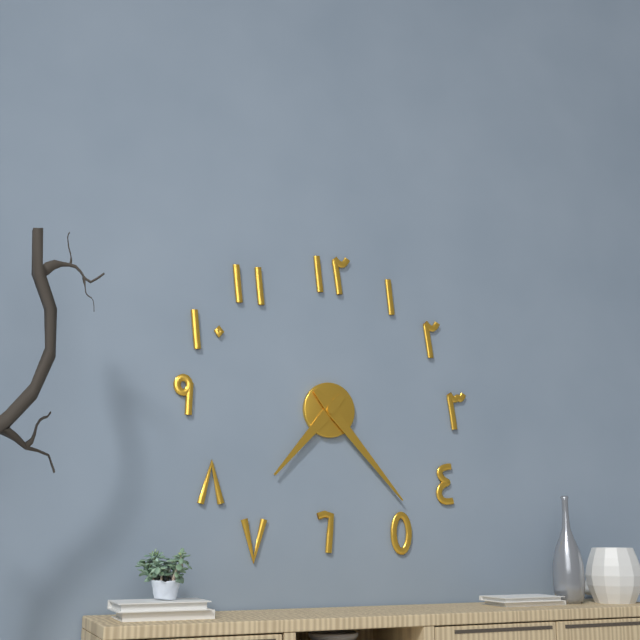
7:23
